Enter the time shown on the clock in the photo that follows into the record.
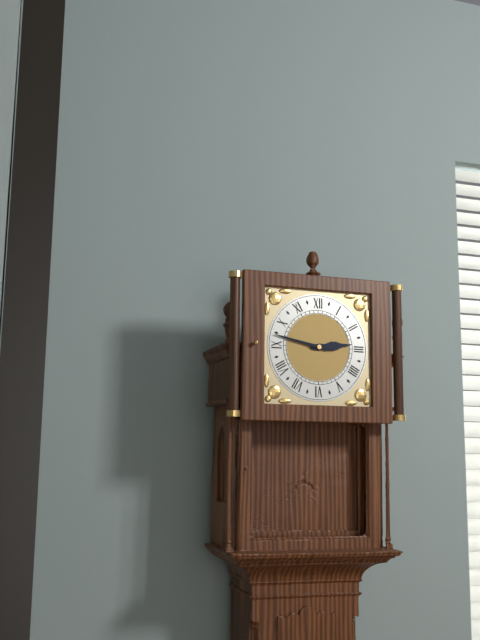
2:47
